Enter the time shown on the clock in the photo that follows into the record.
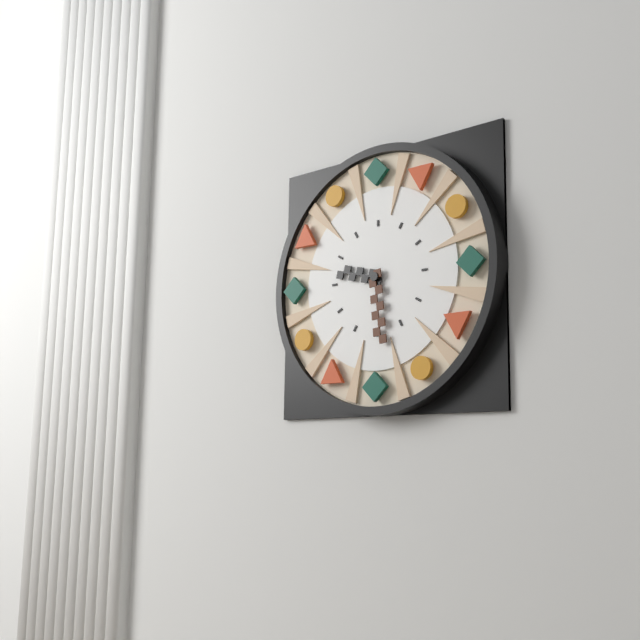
9:29
